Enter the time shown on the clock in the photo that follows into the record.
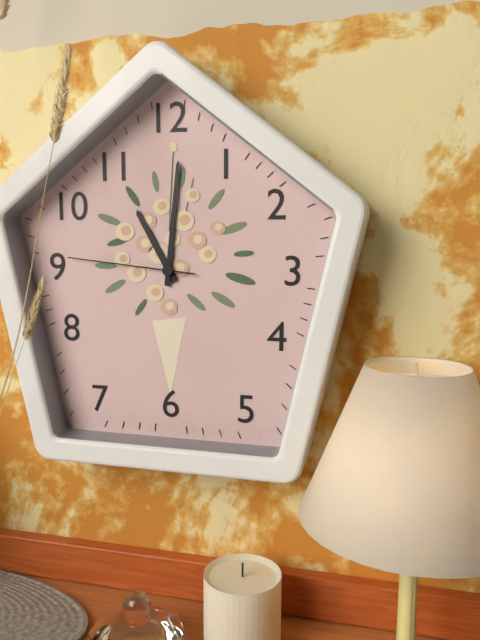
11:01:46
